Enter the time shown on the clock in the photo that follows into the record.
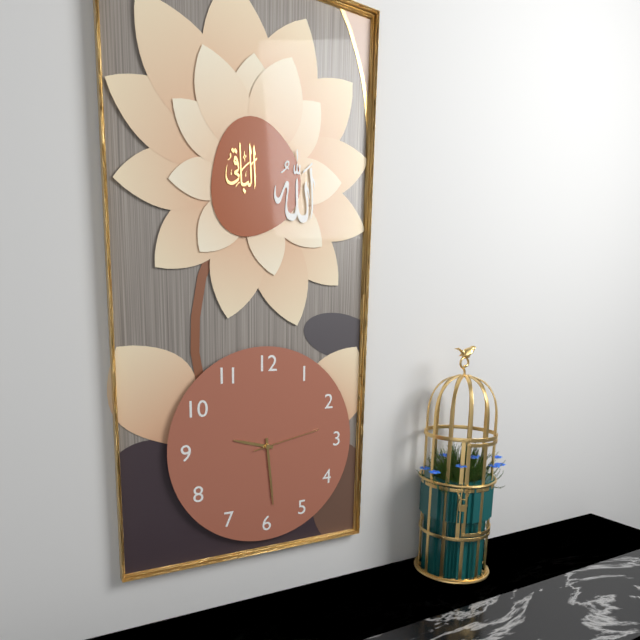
9:29:13
